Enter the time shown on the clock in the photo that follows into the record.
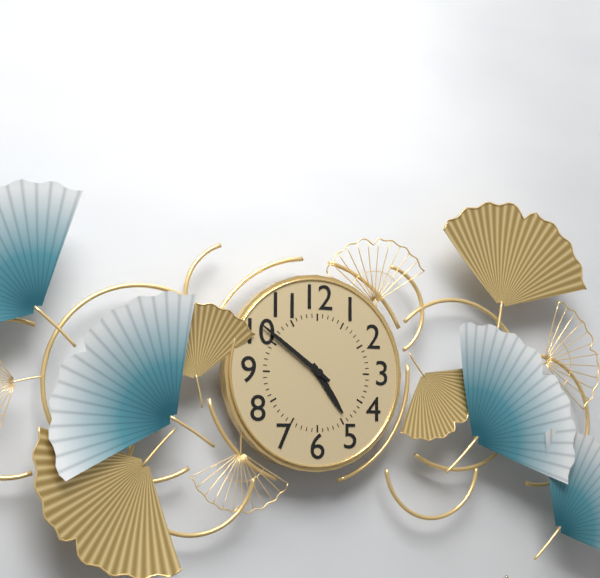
4:51
